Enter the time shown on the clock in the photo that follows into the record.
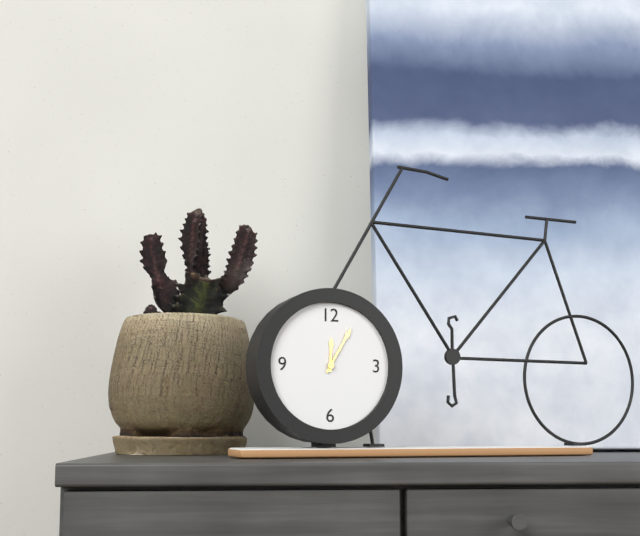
12:05
